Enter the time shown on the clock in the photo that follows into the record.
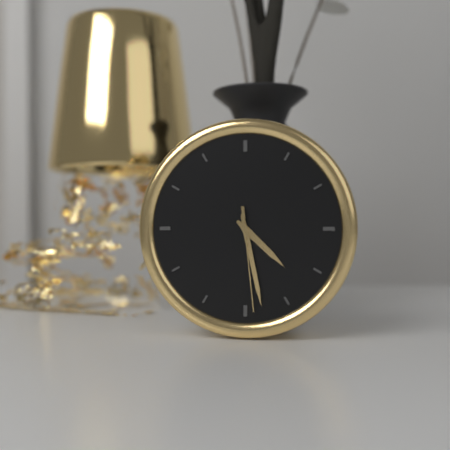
4:28:29
